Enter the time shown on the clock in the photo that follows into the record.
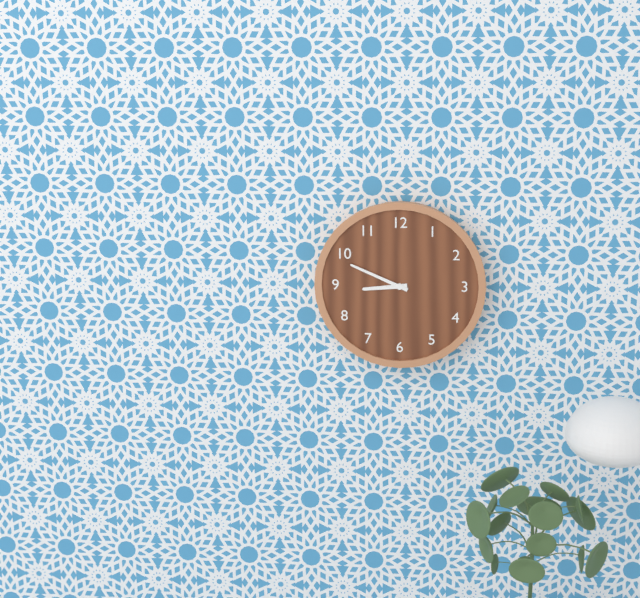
8:49
